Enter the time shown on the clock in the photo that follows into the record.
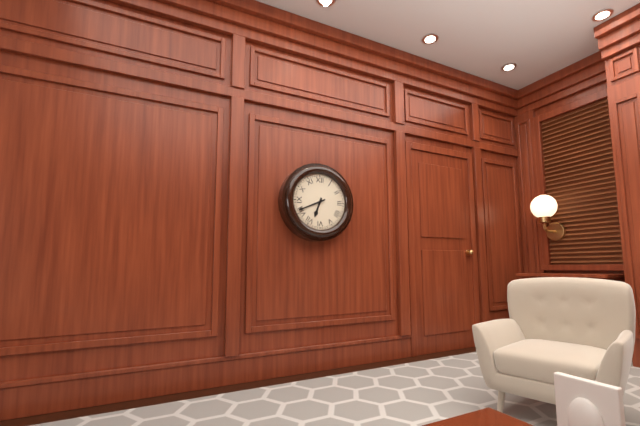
6:41
